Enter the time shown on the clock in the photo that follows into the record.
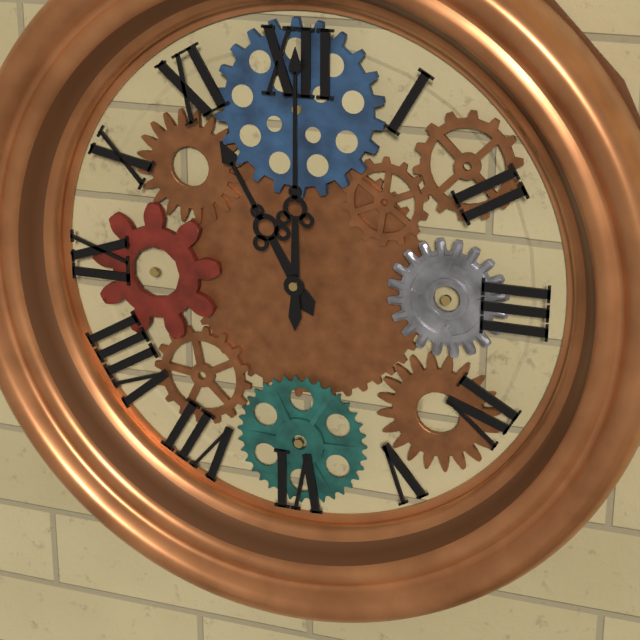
11:00
